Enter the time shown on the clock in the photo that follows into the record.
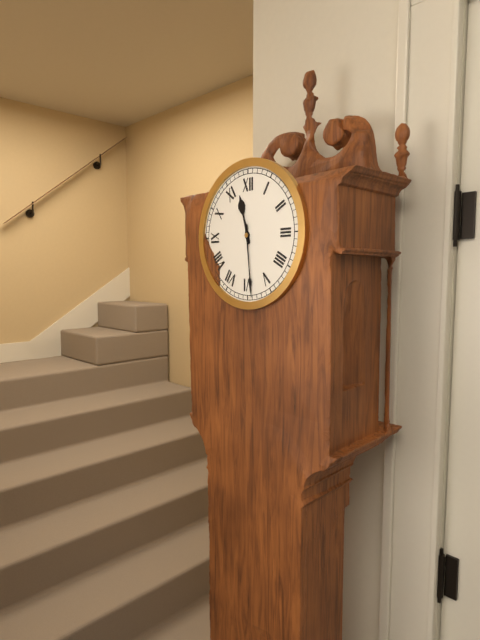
11:29
